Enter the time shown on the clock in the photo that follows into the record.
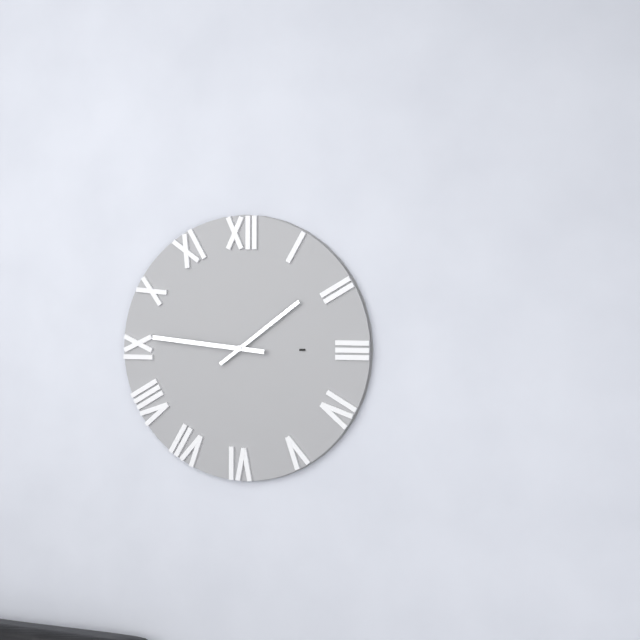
1:46
